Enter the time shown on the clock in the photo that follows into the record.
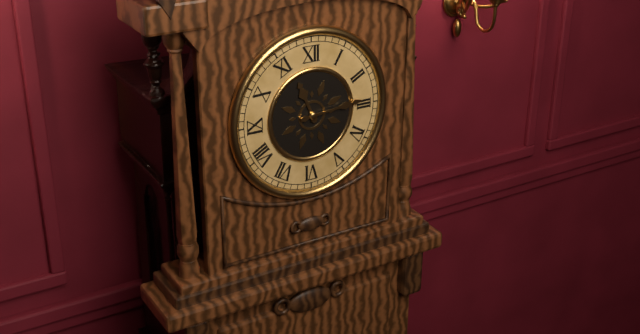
11:14
